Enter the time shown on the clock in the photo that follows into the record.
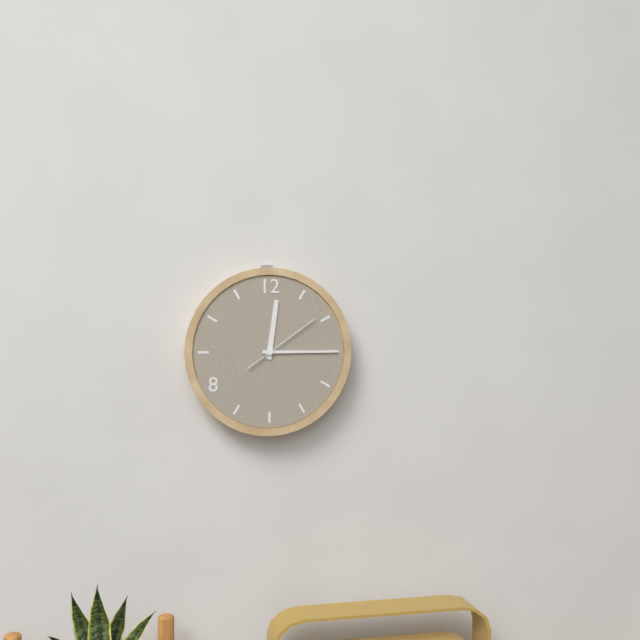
12:15:09
